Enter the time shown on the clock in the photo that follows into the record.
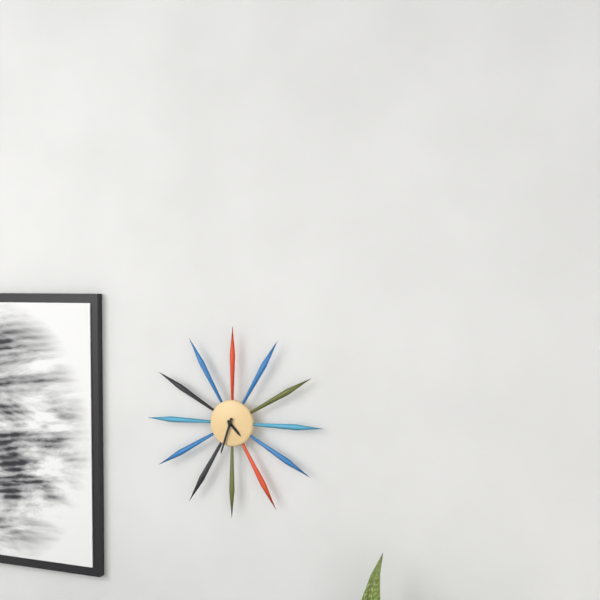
4:33
